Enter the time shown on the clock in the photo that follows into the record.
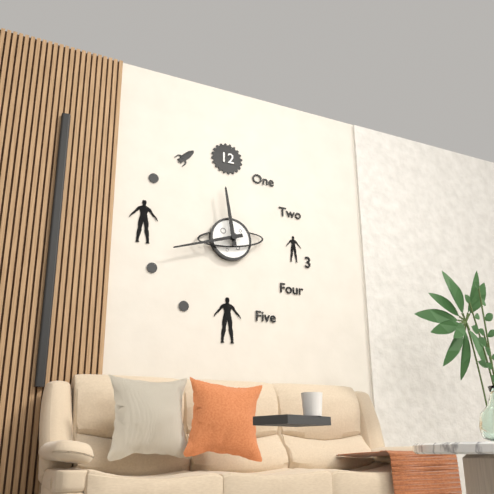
11:42
